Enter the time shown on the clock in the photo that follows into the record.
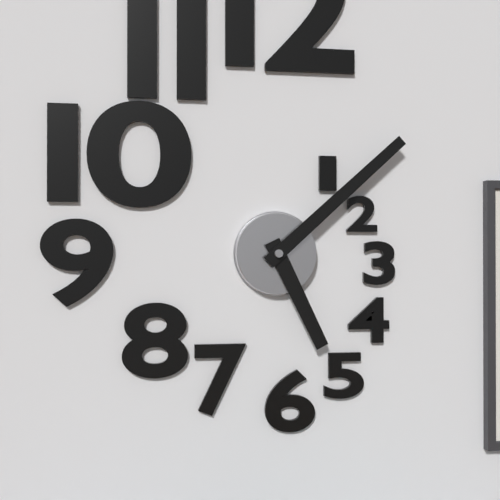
5:08
